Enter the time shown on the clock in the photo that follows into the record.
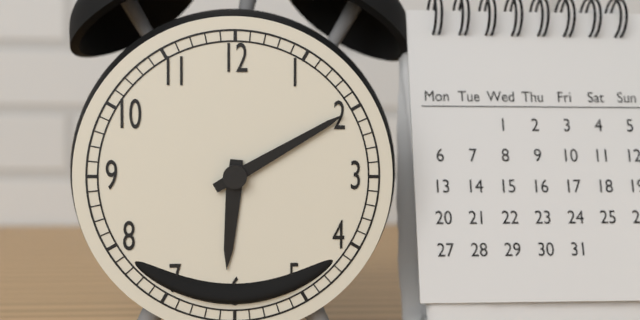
6:10
